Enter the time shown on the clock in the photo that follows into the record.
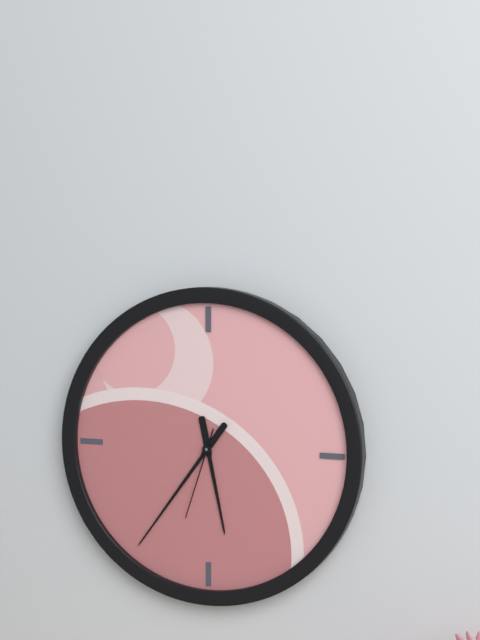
5:36:33
